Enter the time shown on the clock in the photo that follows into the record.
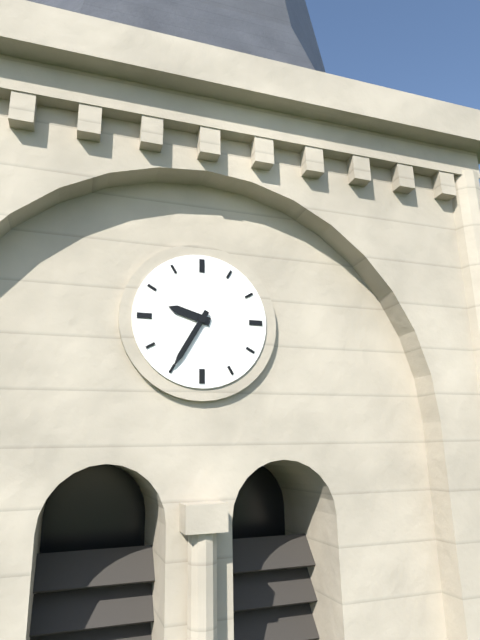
9:35
